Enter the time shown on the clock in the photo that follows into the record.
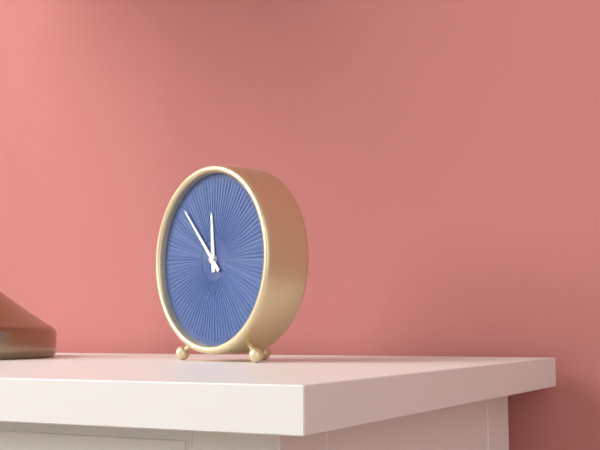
11:53
